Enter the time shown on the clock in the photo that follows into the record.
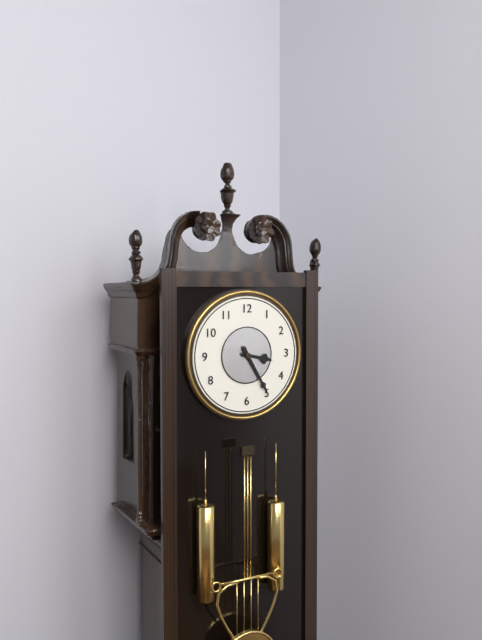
3:25
